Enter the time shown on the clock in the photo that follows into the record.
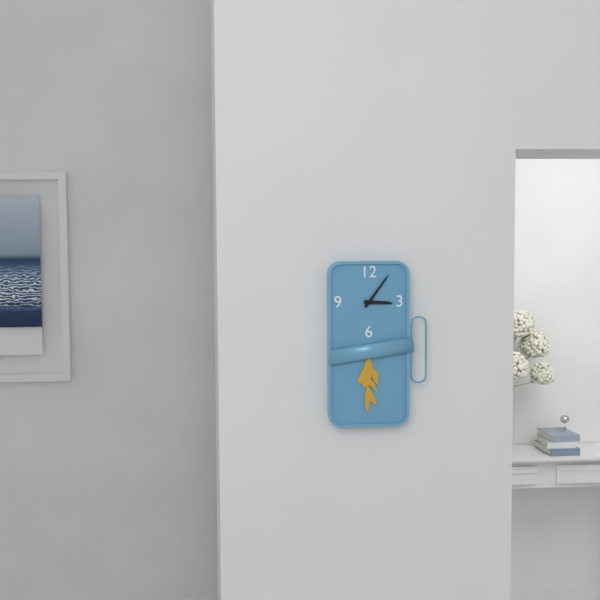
3:06
